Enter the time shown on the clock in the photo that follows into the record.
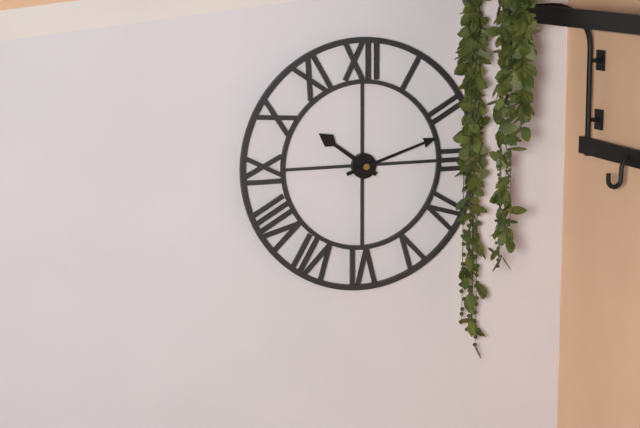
10:12
